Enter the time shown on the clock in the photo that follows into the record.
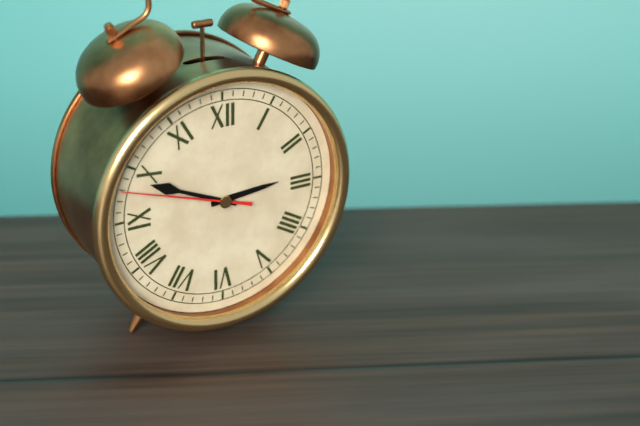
2:49:48
